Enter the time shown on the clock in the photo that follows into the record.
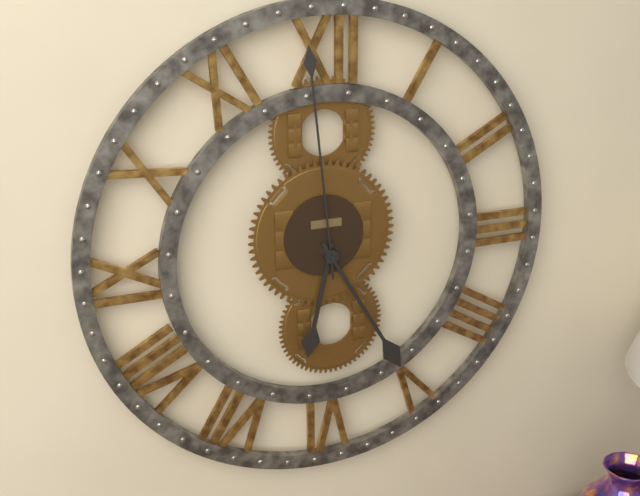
6:25:59
